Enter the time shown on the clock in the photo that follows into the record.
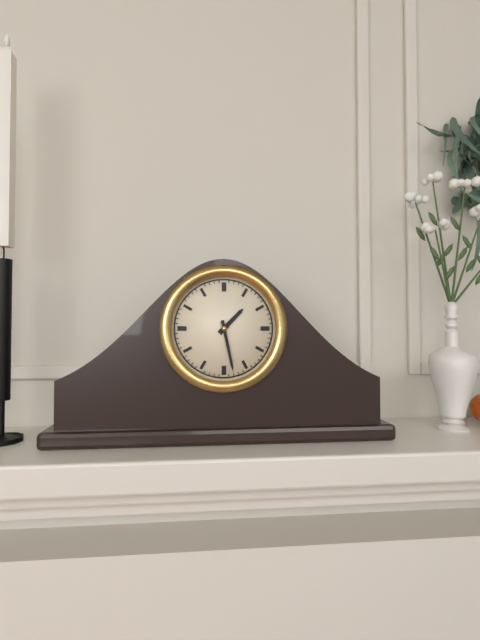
1:28
